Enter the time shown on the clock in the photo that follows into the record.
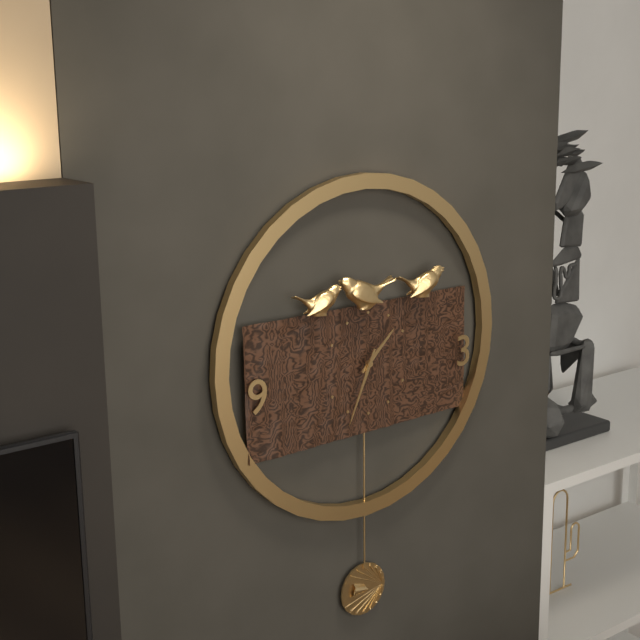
1:34
